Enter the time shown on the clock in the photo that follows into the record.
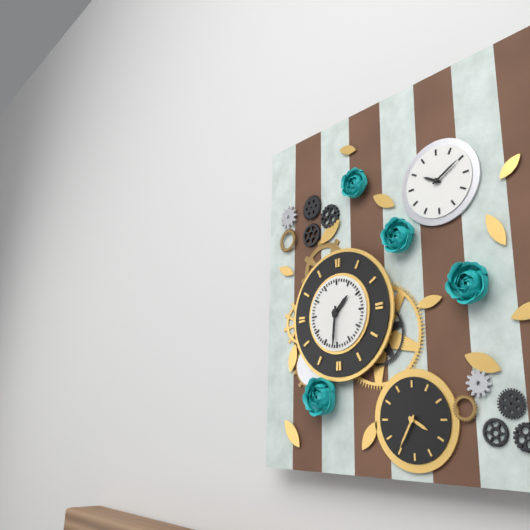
1:31
